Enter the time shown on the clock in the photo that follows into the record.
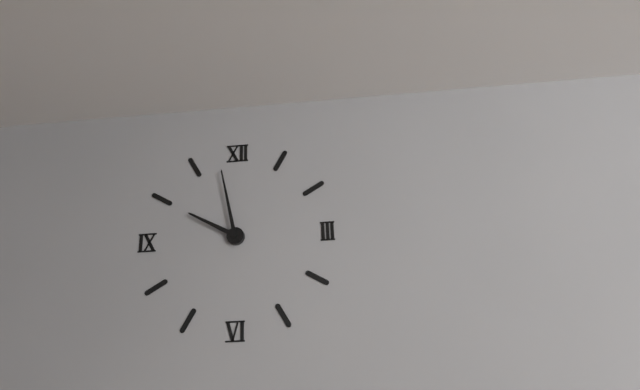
9:58
